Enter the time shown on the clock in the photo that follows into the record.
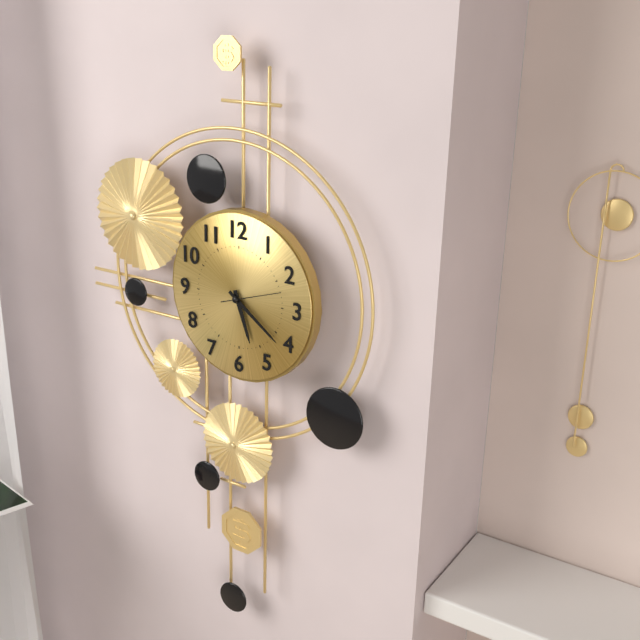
5:21:12
